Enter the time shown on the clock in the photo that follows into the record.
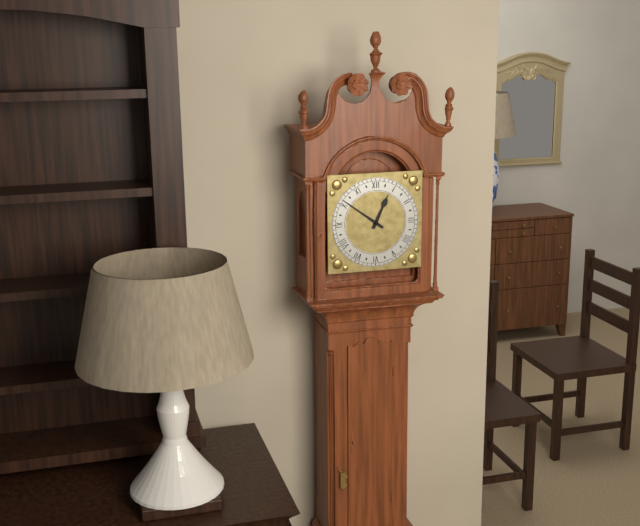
12:51
